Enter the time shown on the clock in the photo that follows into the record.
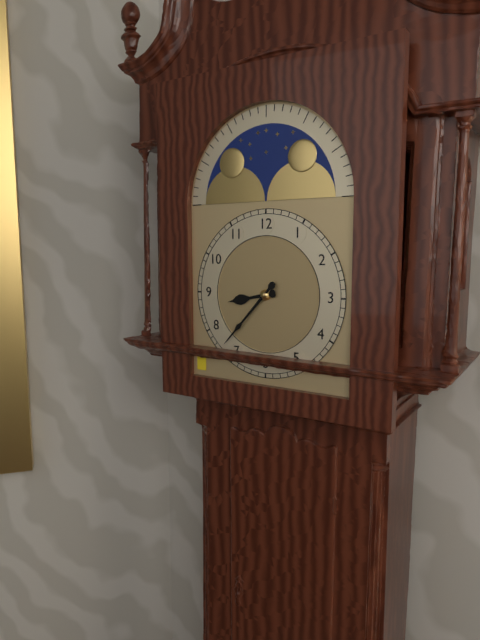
8:37
